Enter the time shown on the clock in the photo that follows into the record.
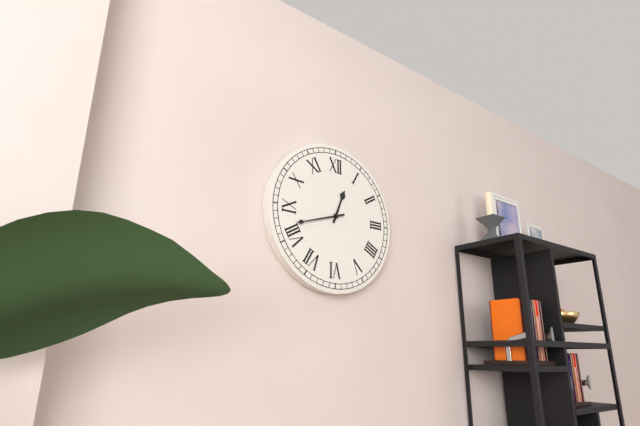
12:42
